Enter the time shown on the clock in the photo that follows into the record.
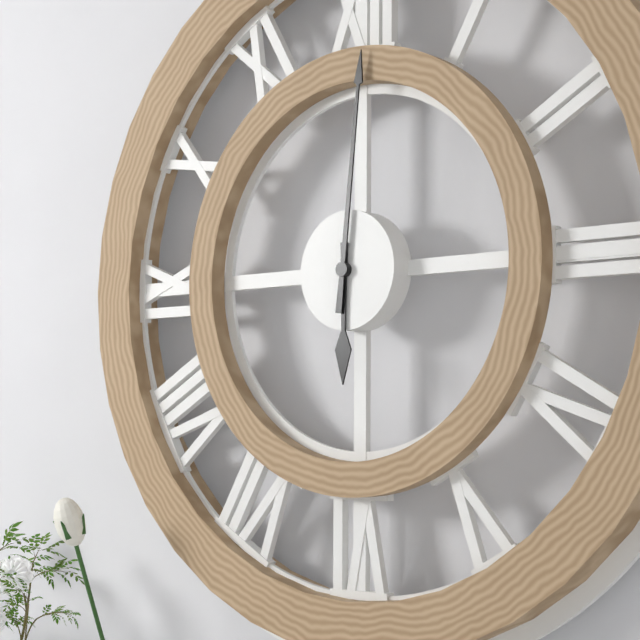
6:01
